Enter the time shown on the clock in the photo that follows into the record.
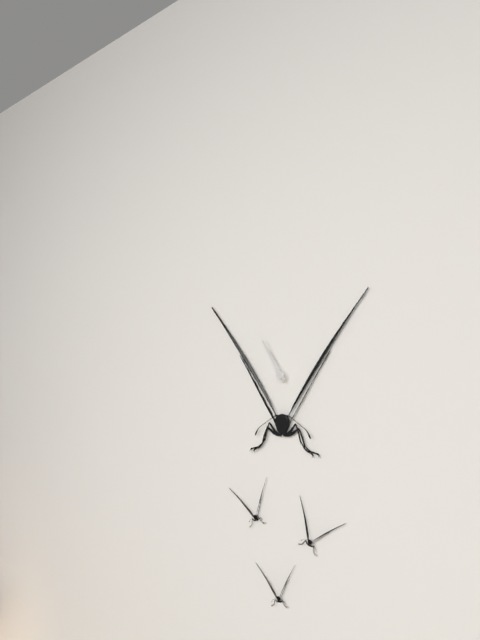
10:55
